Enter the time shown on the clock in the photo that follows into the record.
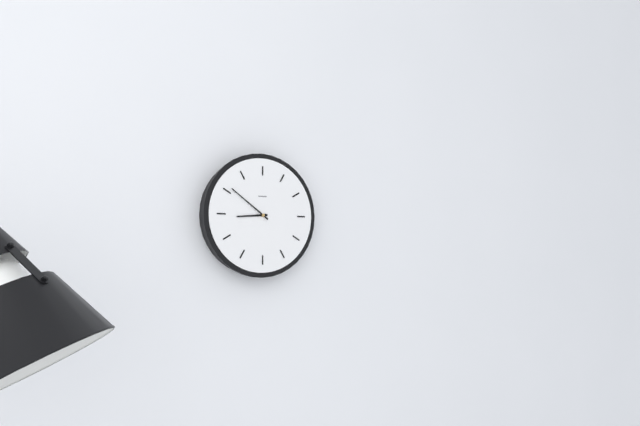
8:51
